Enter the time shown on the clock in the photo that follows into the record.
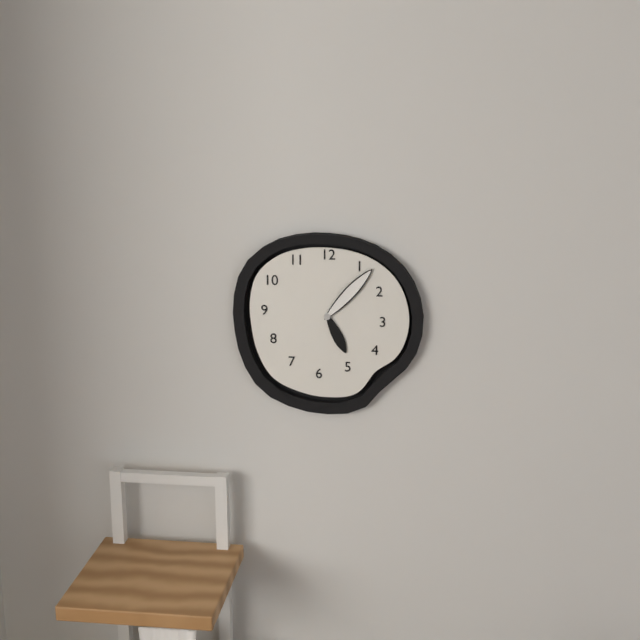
5:07
